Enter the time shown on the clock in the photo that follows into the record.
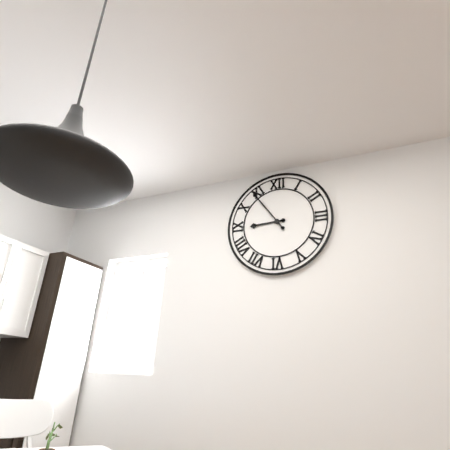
8:54
